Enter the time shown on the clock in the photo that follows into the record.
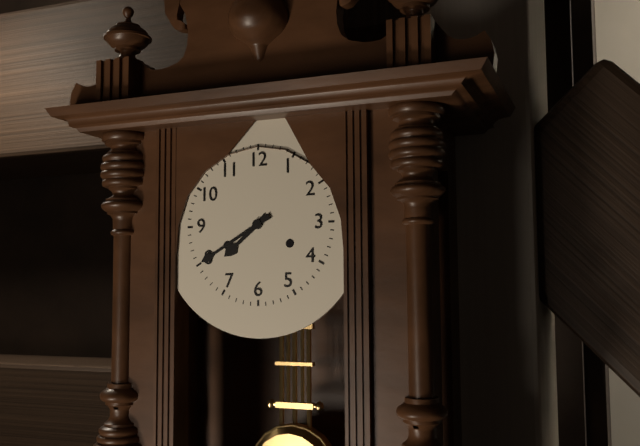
7:40
